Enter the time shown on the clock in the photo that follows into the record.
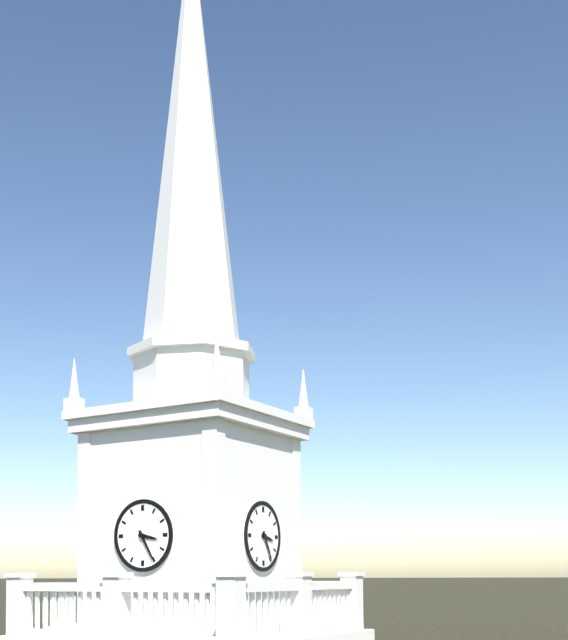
3:25
